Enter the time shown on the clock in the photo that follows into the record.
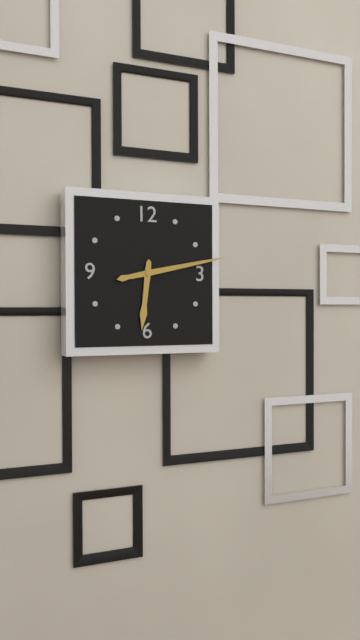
6:13
